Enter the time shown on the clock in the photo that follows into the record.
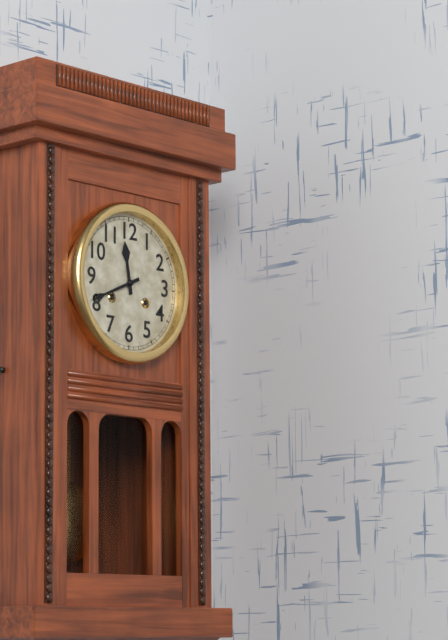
11:41
